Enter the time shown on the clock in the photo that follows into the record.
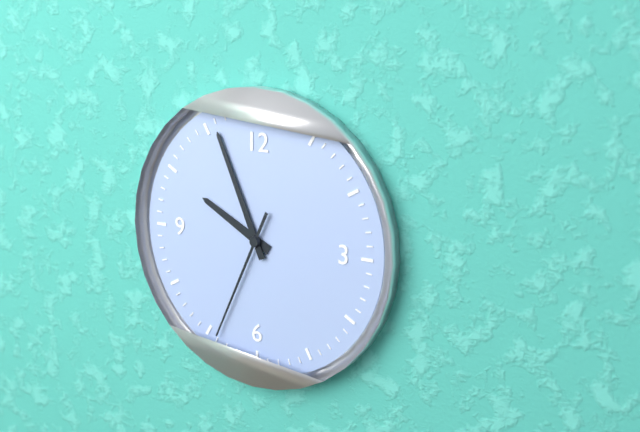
9:56:34
